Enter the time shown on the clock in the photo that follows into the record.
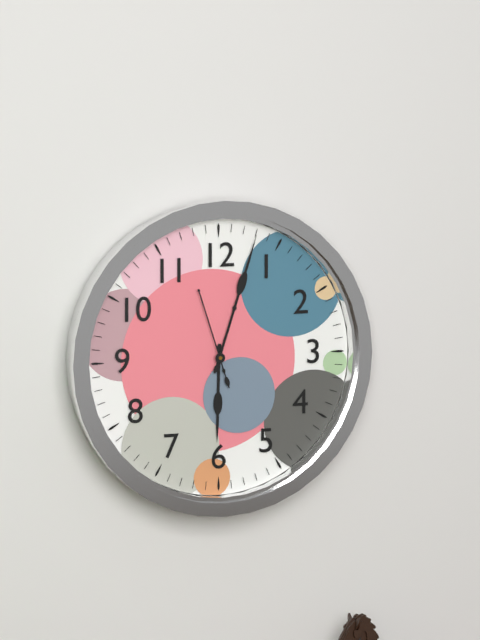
6:03:57
